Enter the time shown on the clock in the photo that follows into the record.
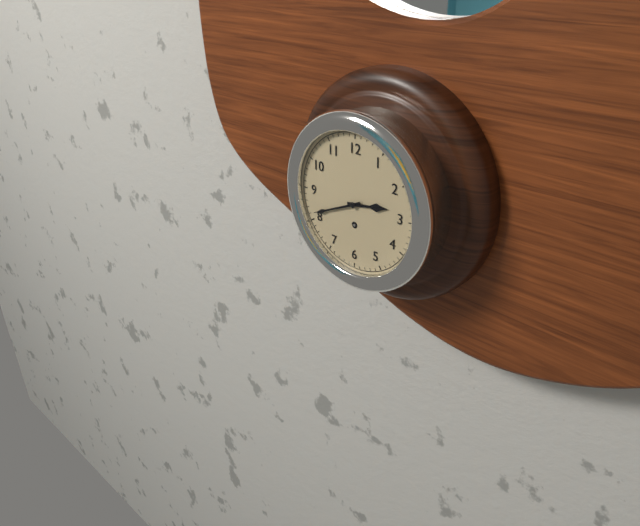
2:41
